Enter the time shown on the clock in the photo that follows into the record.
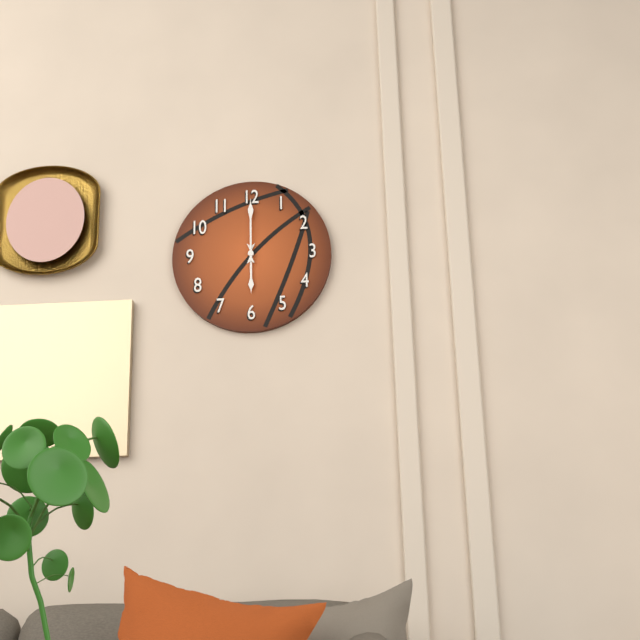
6:00
